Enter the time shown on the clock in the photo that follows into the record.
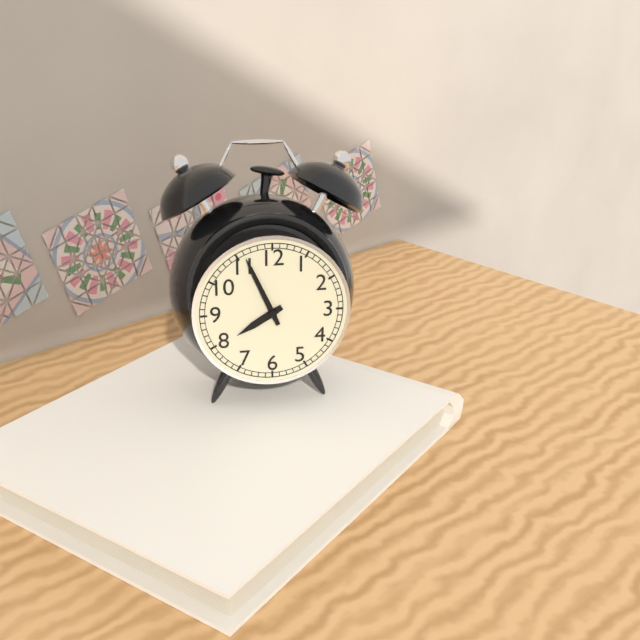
7:56
